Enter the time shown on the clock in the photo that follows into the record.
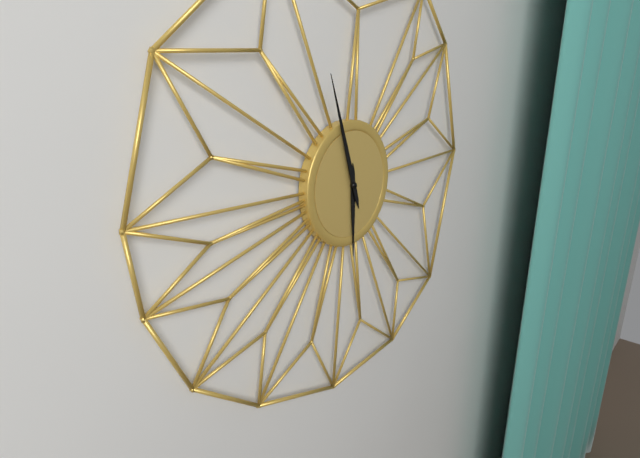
5:57
